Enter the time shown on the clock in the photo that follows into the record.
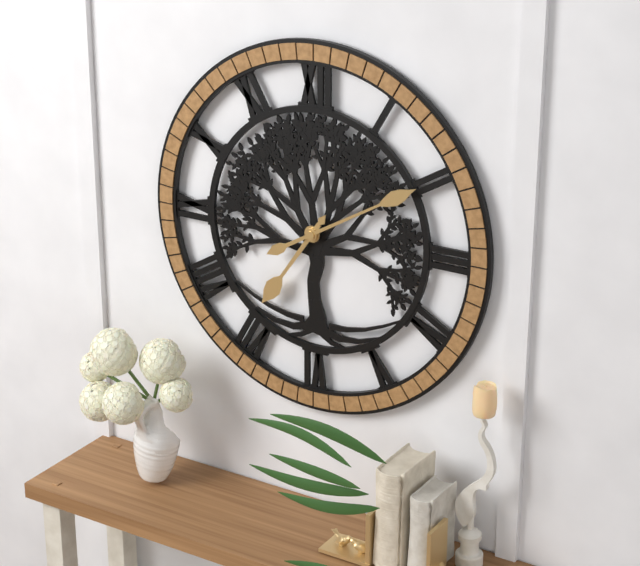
7:10
